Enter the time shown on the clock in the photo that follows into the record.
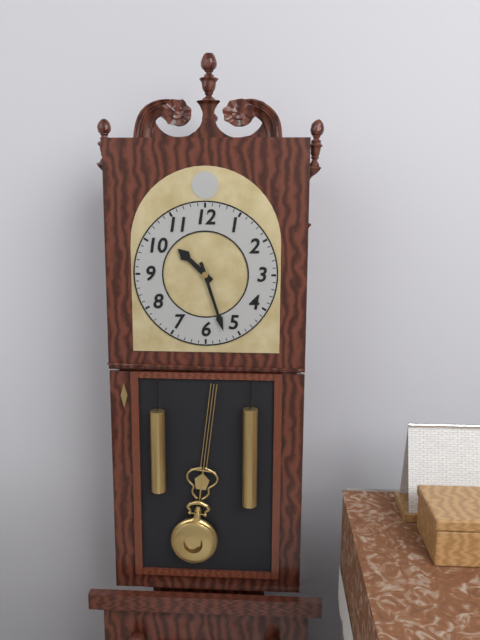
10:27
